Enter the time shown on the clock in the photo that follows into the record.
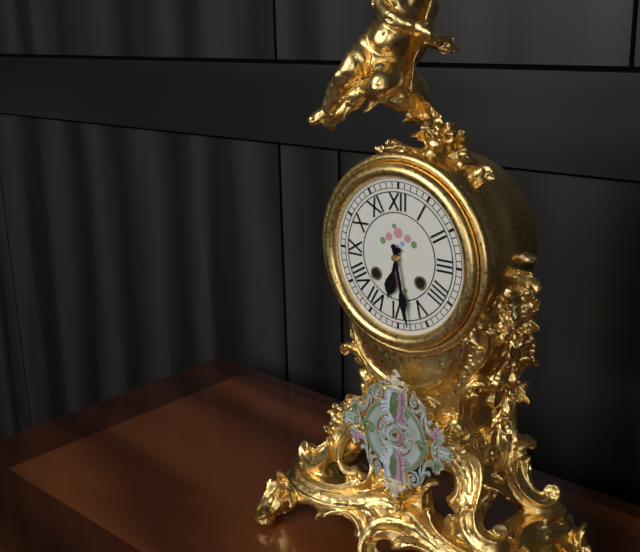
6:28
